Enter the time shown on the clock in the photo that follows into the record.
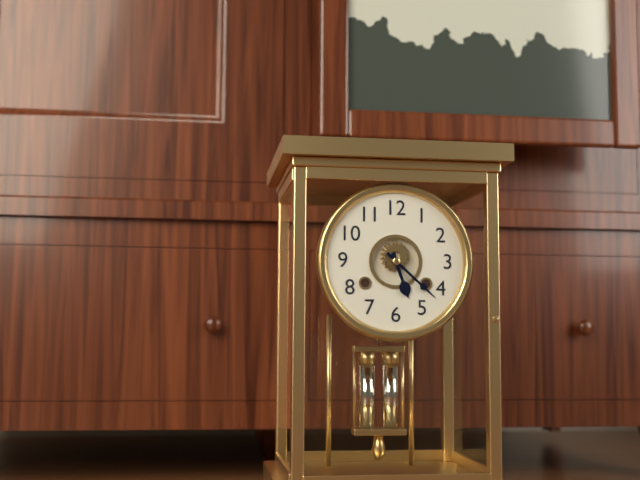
5:22
